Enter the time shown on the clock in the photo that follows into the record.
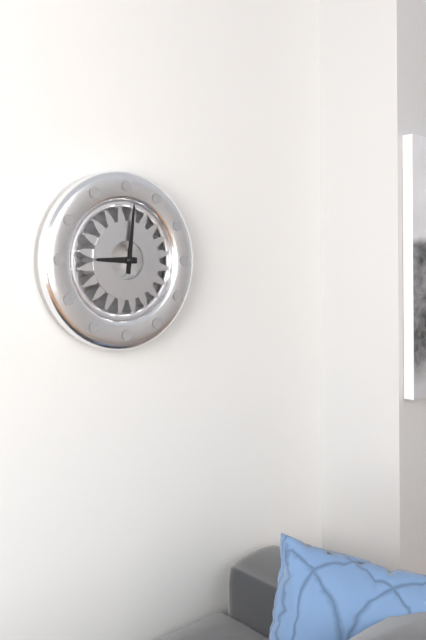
9:01
